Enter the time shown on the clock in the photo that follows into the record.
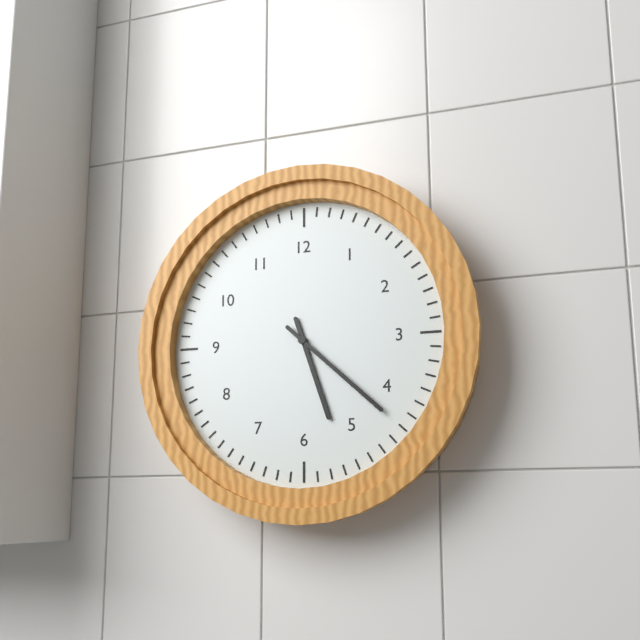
5:22
